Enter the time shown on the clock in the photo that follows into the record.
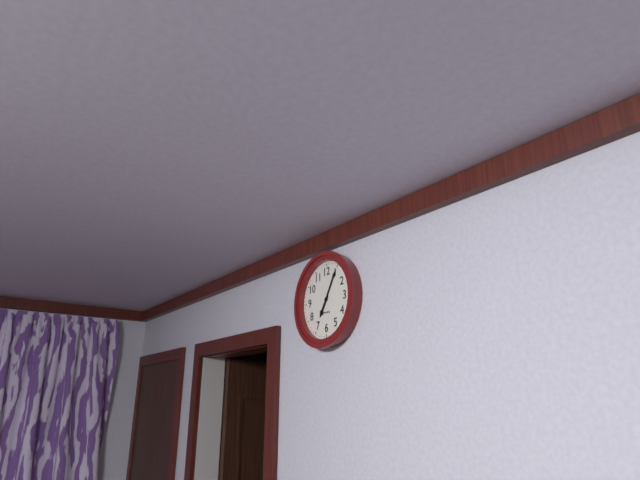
7:05
